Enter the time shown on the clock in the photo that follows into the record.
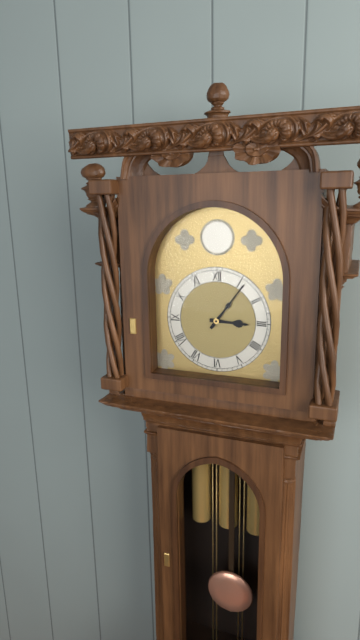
3:06
